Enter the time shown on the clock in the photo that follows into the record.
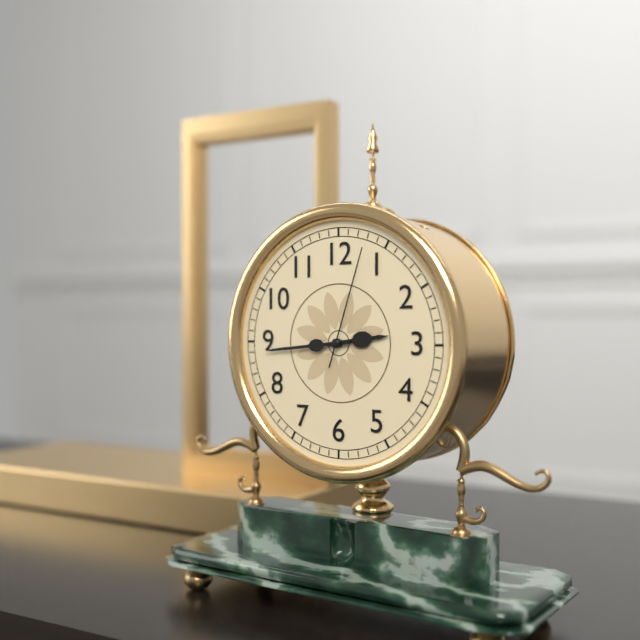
2:44:03
